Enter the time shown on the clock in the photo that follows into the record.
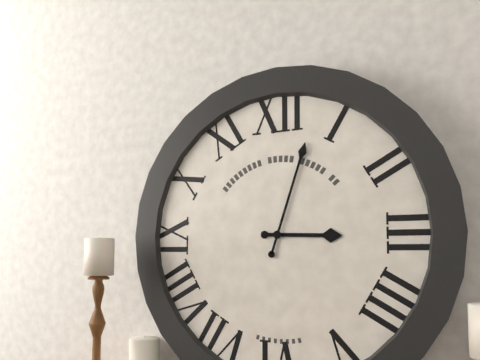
3:03
